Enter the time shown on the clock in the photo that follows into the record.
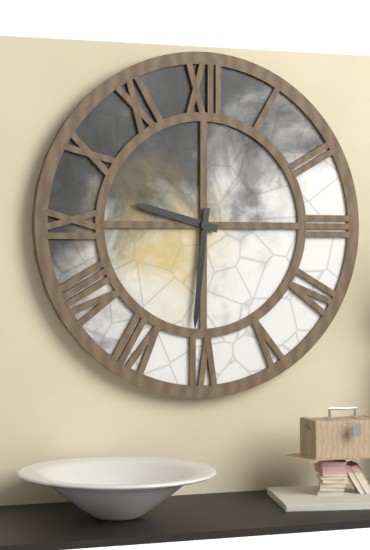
9:31
